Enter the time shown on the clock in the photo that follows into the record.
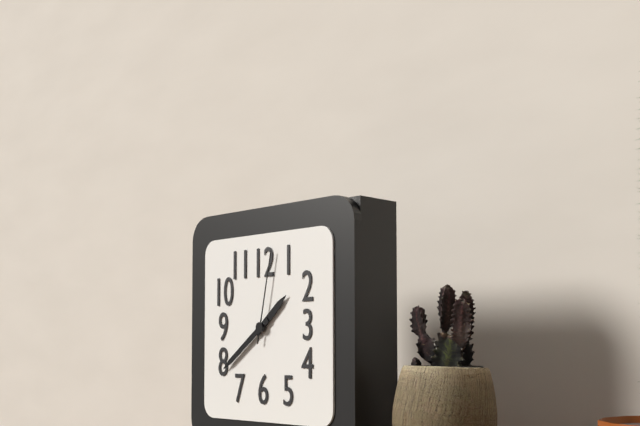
1:39:02
